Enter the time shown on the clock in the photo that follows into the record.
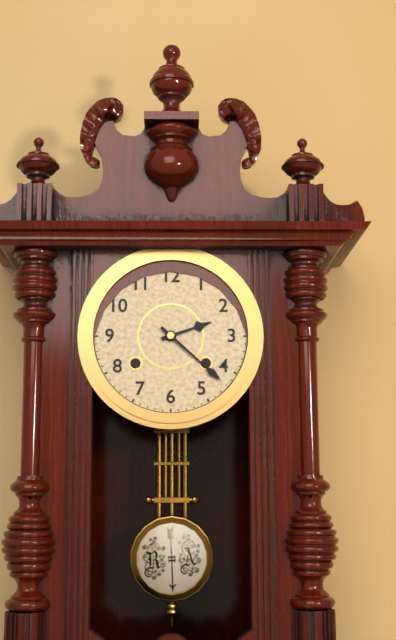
2:22
